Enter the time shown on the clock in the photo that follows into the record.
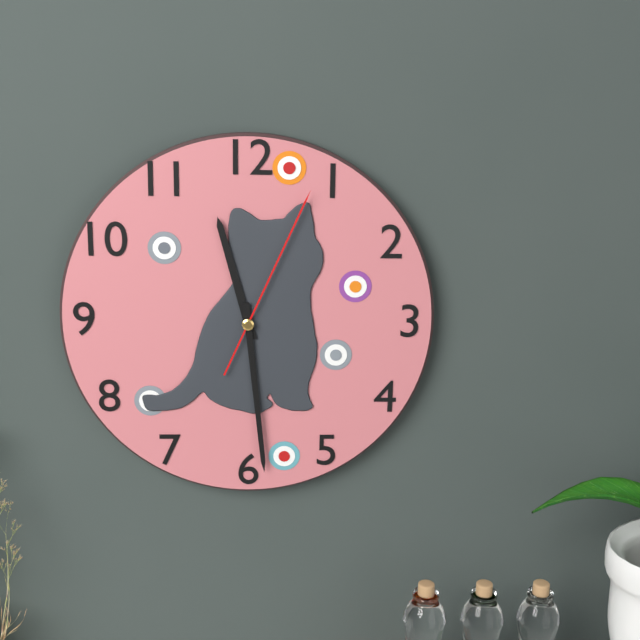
11:29:04
